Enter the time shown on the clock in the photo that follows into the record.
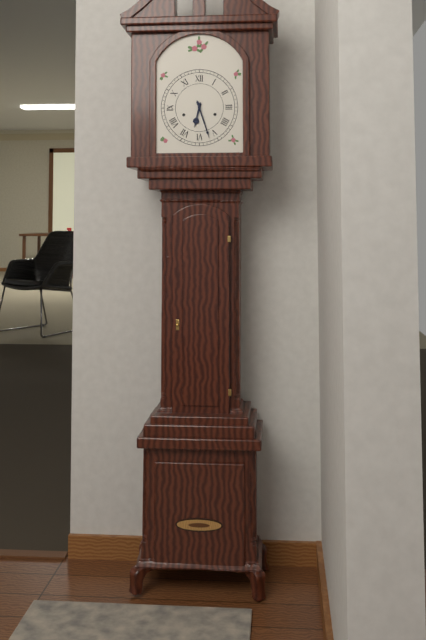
6:27
